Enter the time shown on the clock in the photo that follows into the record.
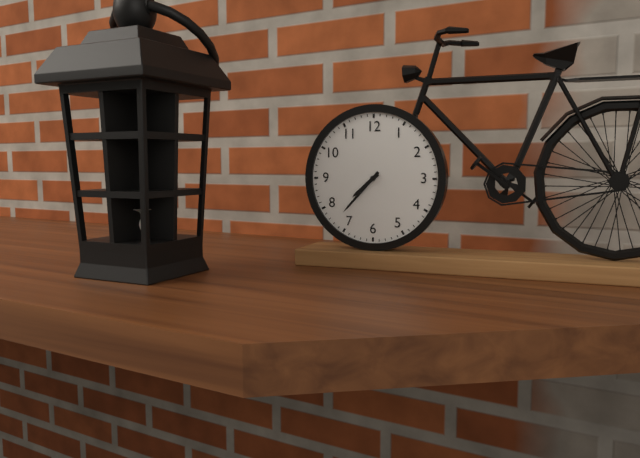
7:37
